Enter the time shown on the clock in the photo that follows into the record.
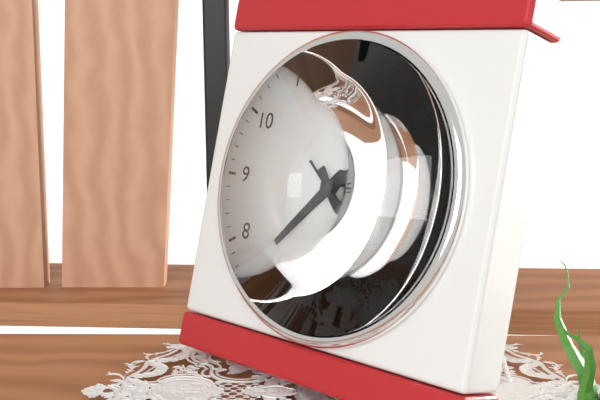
7:24:22
